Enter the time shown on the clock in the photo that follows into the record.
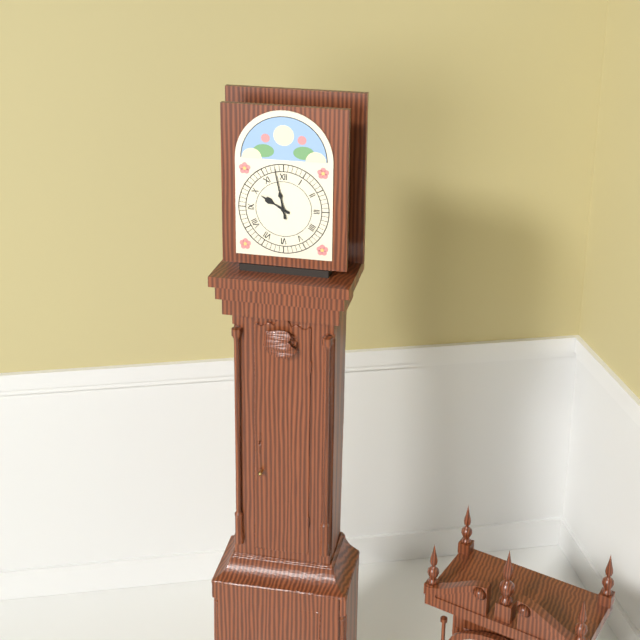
9:58
